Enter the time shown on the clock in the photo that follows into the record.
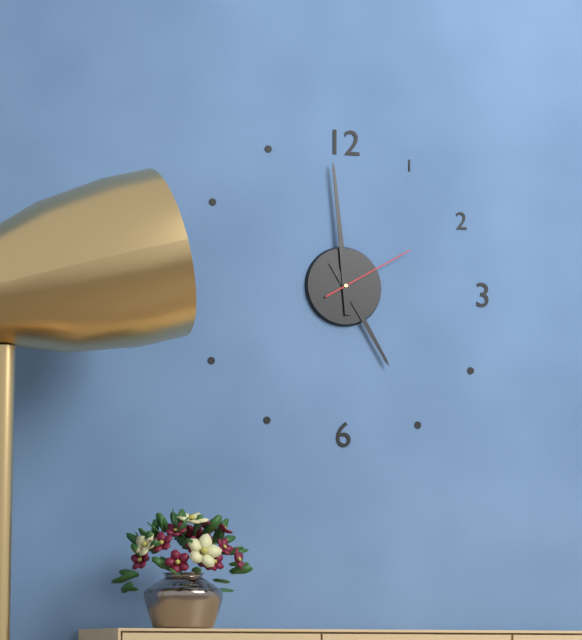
4:59:10
